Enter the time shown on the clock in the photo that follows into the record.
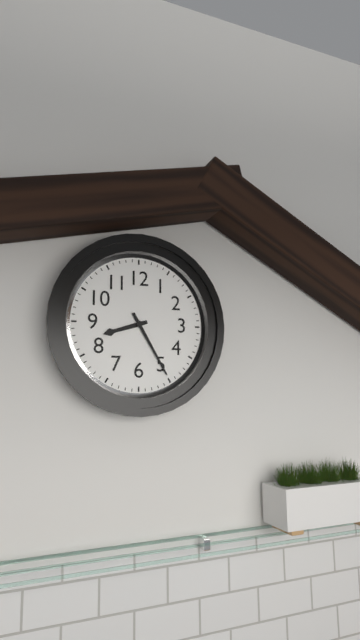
8:25
